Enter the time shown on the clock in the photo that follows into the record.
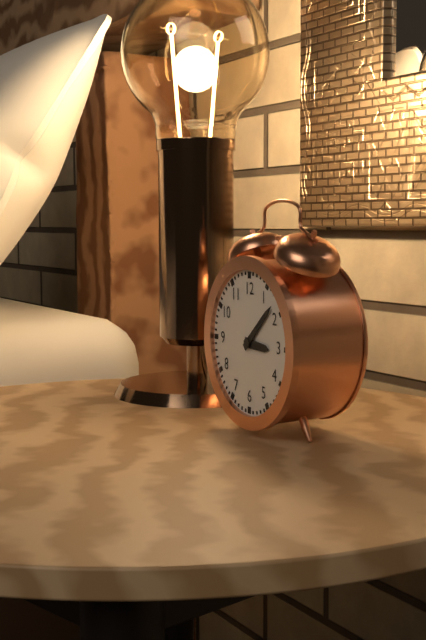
3:08
